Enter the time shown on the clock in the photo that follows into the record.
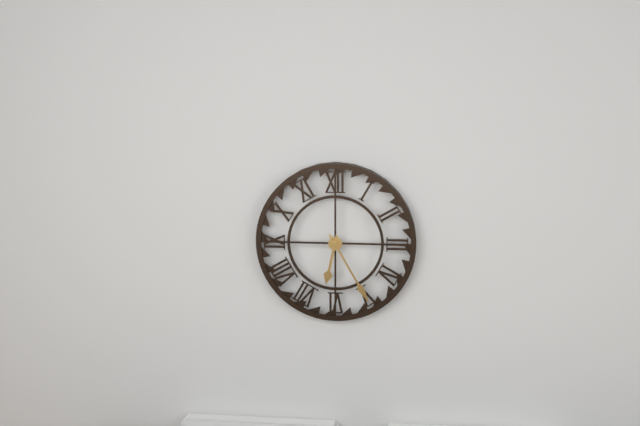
6:25
